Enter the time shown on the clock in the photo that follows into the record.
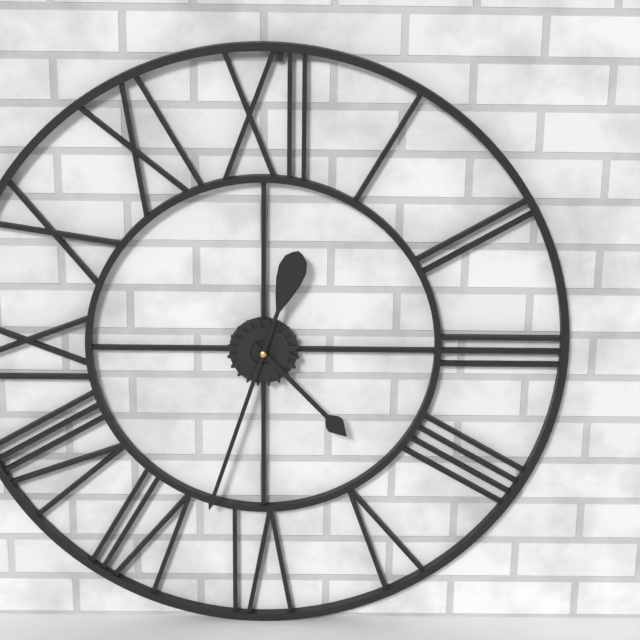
4:33
